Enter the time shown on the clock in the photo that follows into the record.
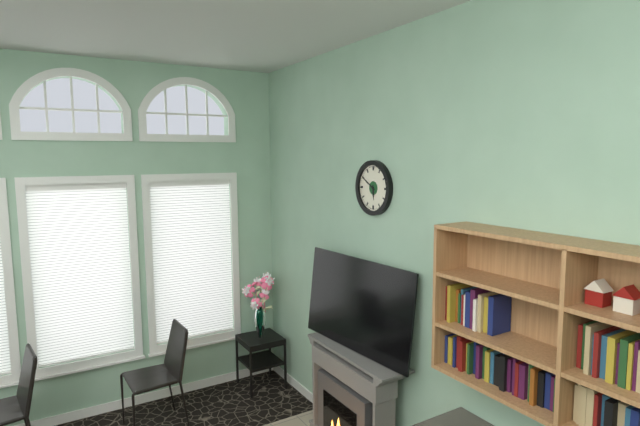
5:50
